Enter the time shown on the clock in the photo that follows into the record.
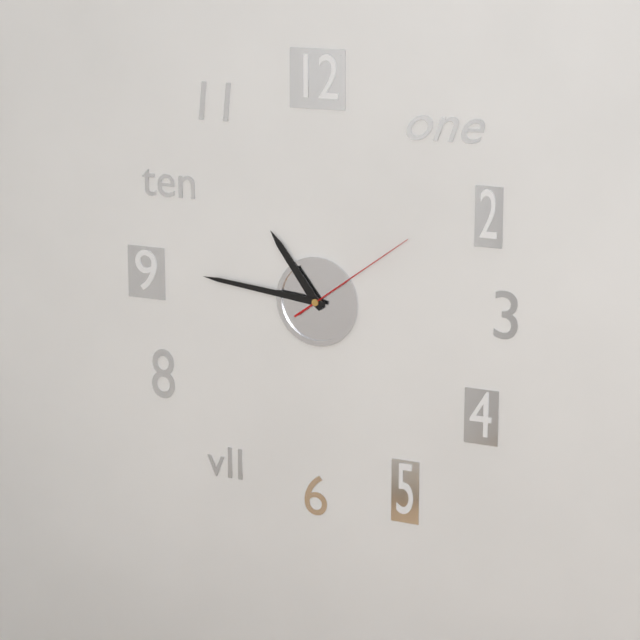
10:46:09
